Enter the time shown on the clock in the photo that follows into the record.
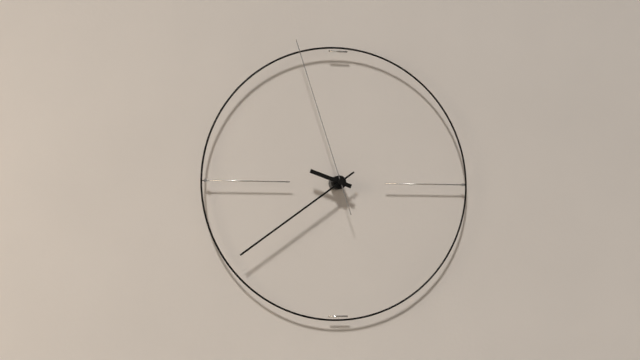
9:39:57
